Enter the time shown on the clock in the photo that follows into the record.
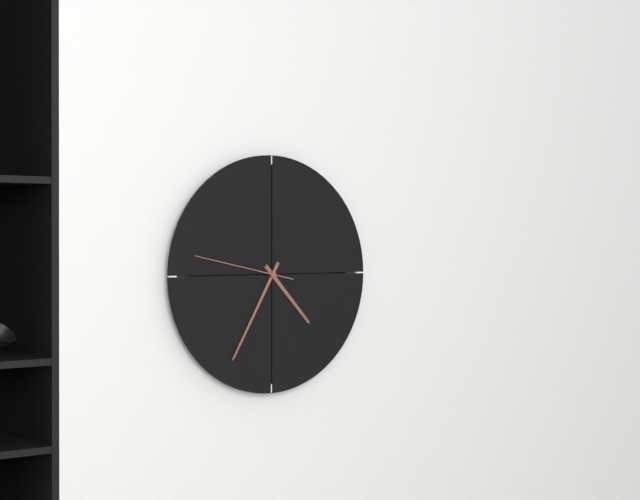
4:35:47
